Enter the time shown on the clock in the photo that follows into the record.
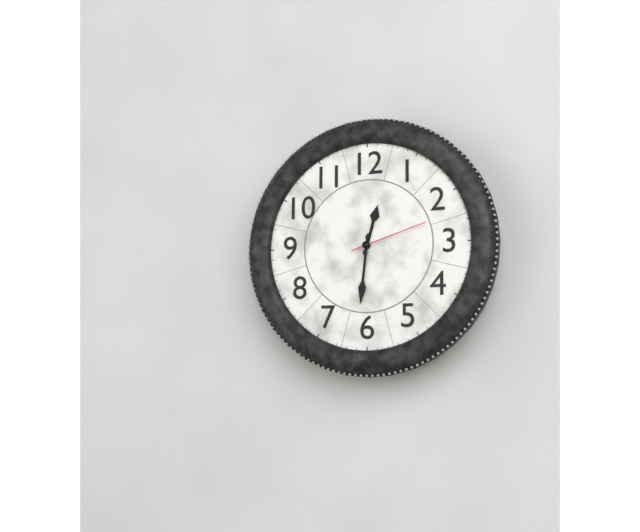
12:31:12
